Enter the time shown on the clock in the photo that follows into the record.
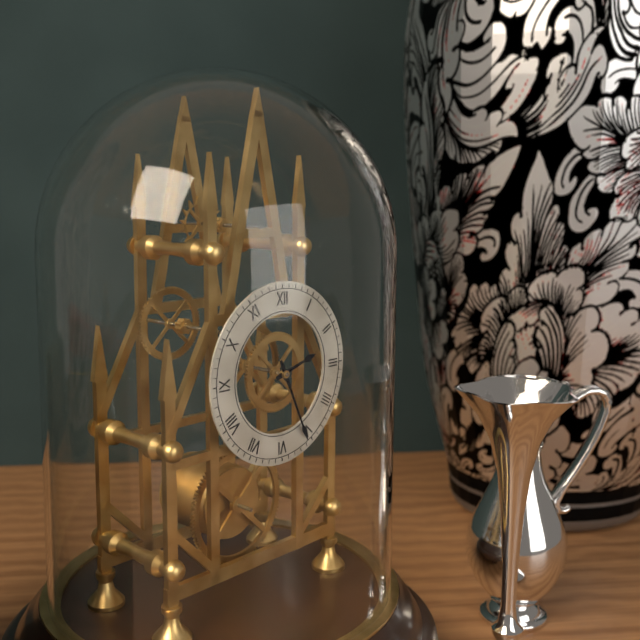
2:26
